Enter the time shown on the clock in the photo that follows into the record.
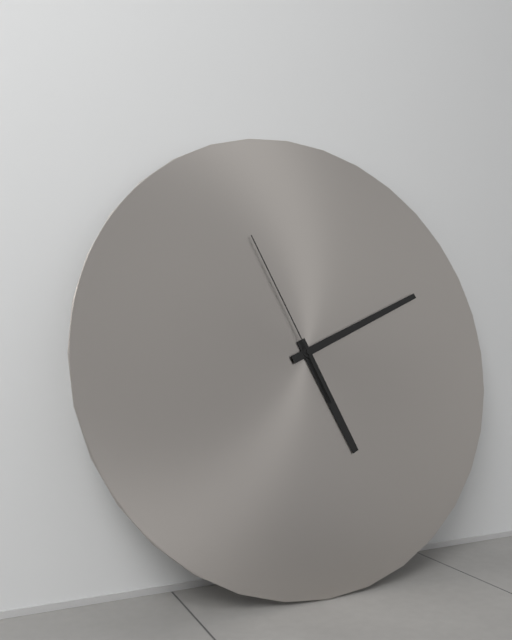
5:11:56
